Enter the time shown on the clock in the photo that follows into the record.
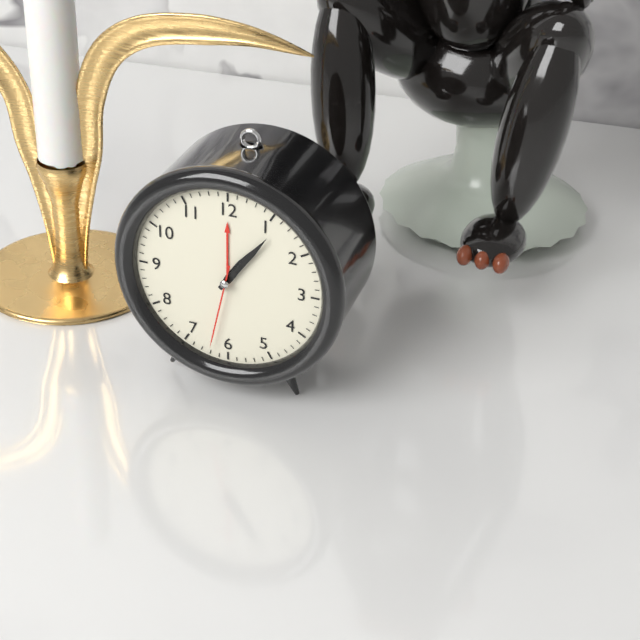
1:06:32
